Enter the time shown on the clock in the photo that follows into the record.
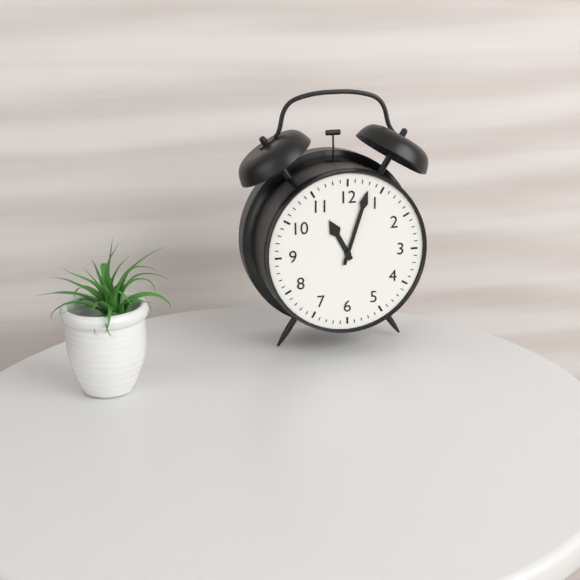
11:03
